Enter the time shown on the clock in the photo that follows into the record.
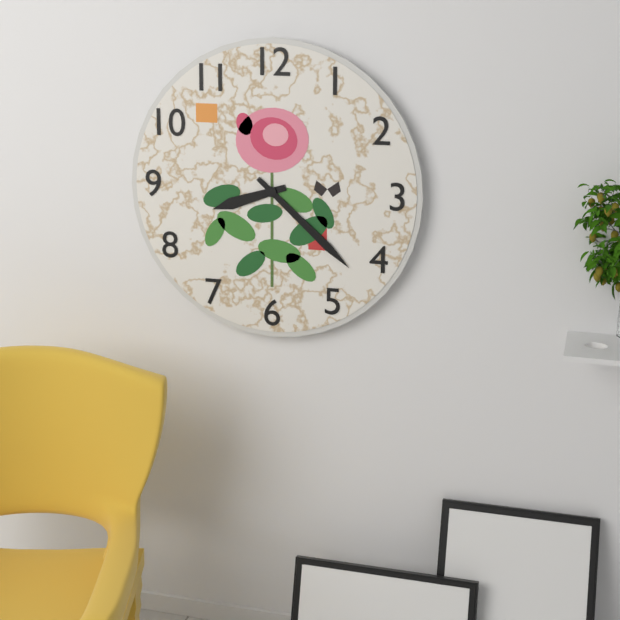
8:22
